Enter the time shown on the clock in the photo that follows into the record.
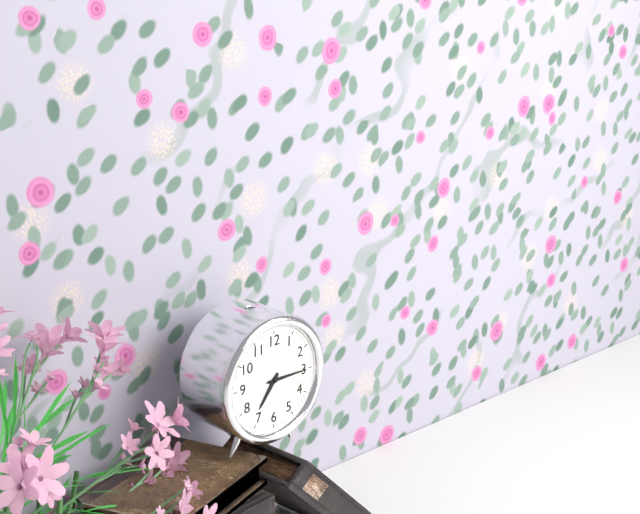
7:15
